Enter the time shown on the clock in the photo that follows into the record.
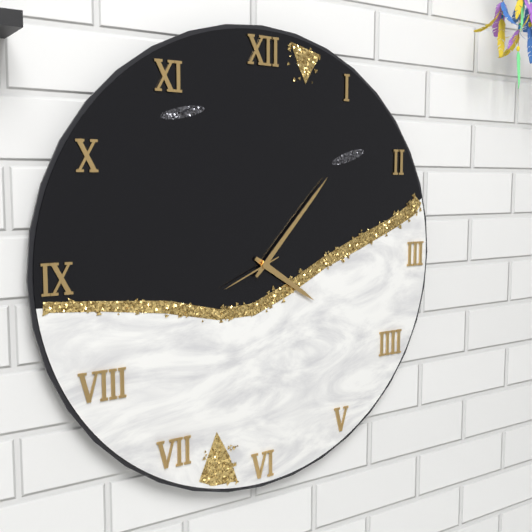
4:07:41
